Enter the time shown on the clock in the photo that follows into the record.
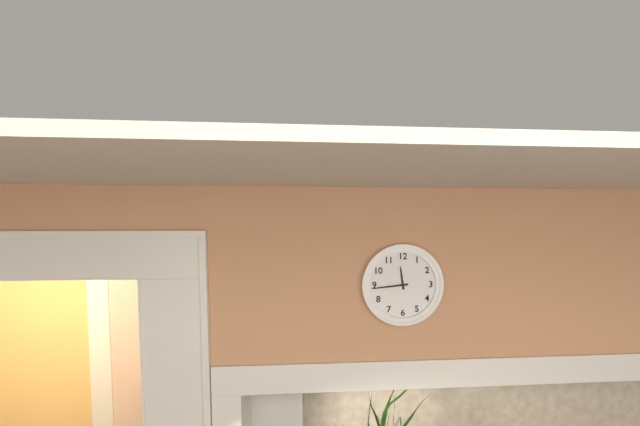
11:44
